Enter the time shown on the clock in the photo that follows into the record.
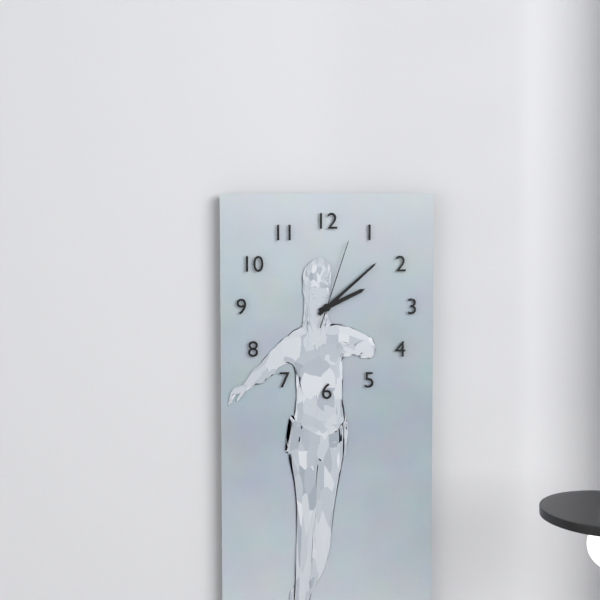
2:08:03
